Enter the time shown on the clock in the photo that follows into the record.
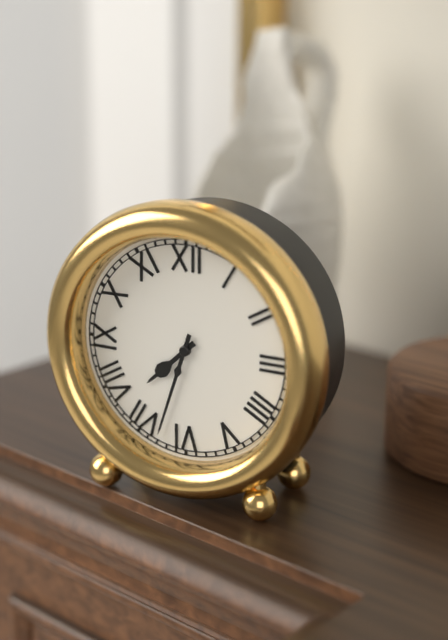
7:33
